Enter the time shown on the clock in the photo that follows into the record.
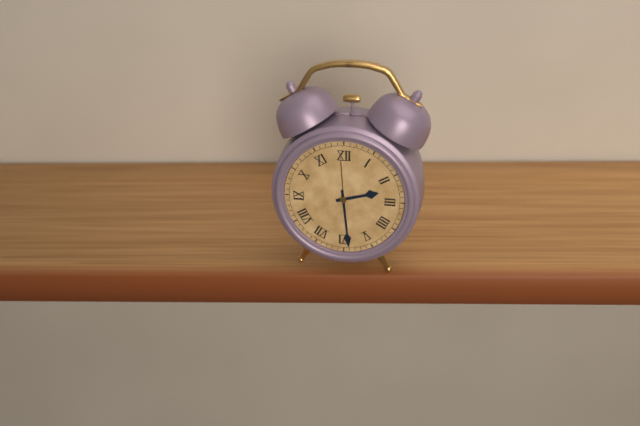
2:29
